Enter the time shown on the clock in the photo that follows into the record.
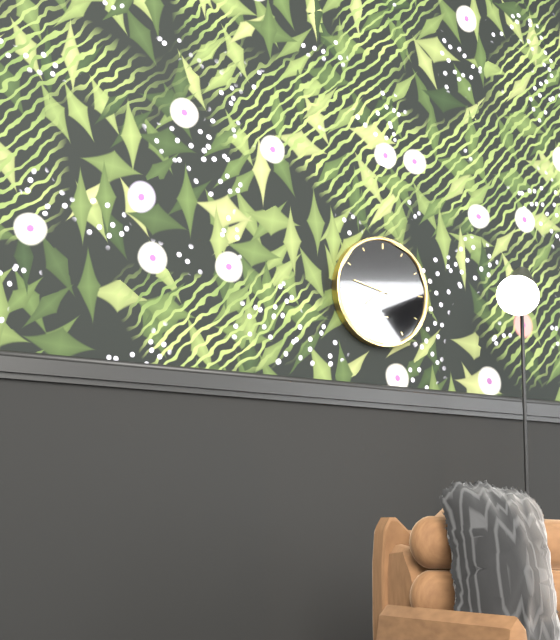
7:47
